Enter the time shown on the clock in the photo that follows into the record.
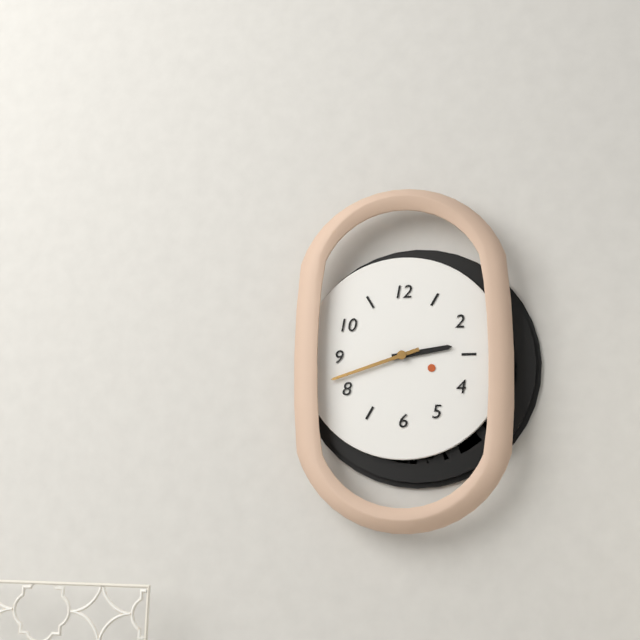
2:42
